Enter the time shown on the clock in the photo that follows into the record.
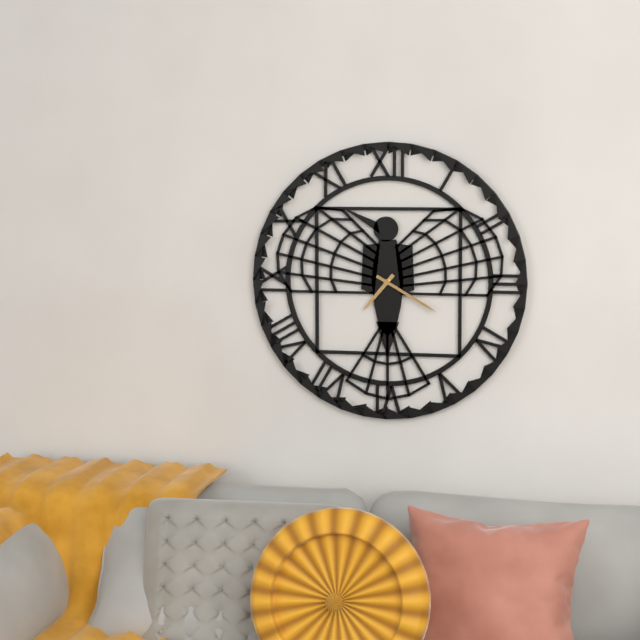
7:20
